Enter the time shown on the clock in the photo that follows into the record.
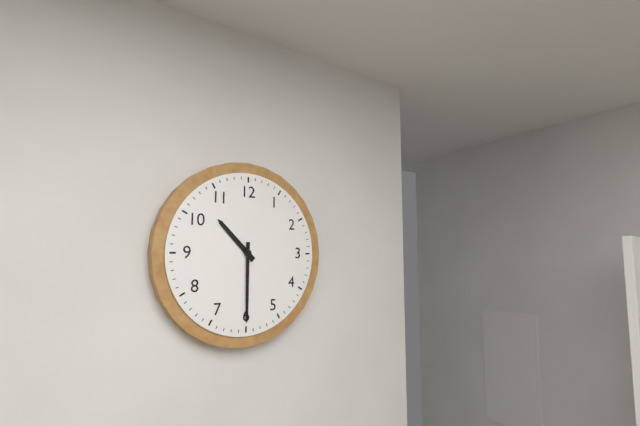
10:30
